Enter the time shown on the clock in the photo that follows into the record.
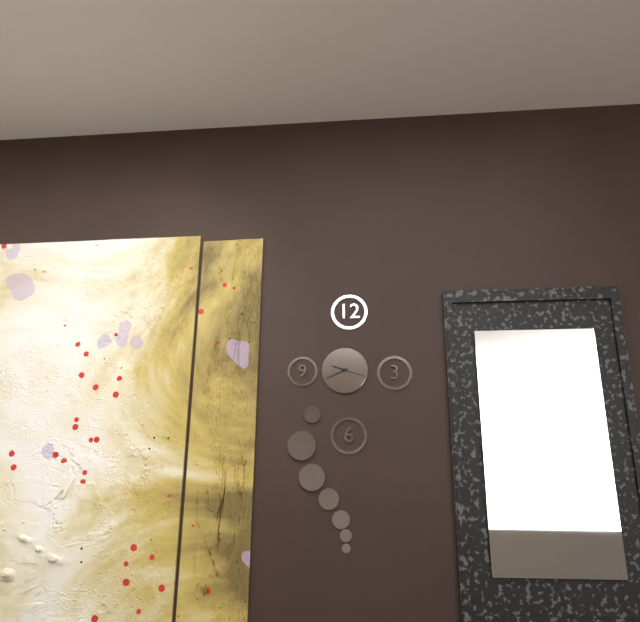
9:41
